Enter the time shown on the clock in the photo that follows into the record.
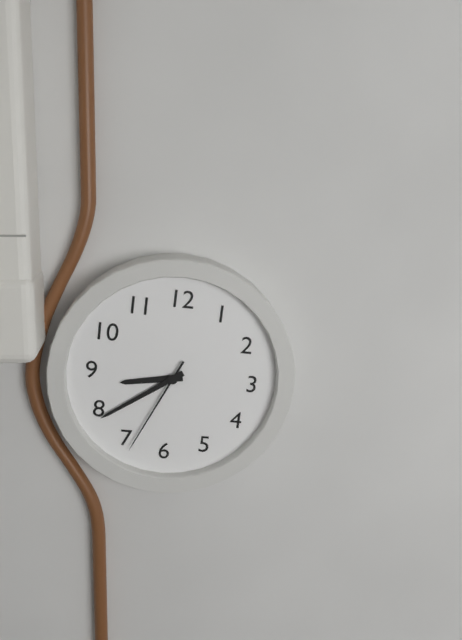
8:39:34
